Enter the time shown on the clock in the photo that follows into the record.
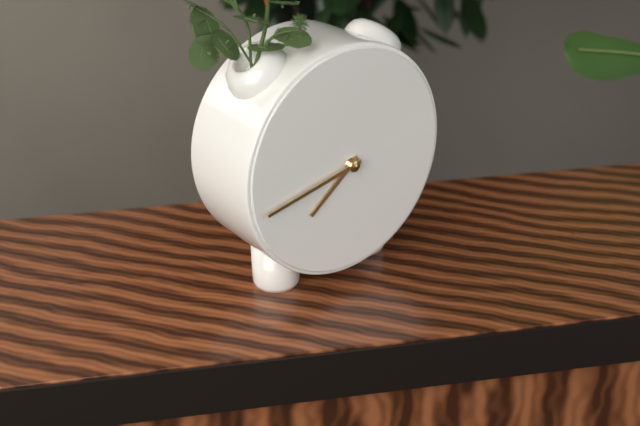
7:43
